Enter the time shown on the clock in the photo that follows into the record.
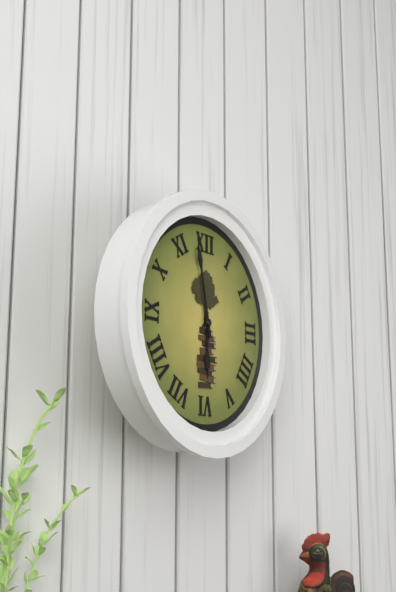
5:58
